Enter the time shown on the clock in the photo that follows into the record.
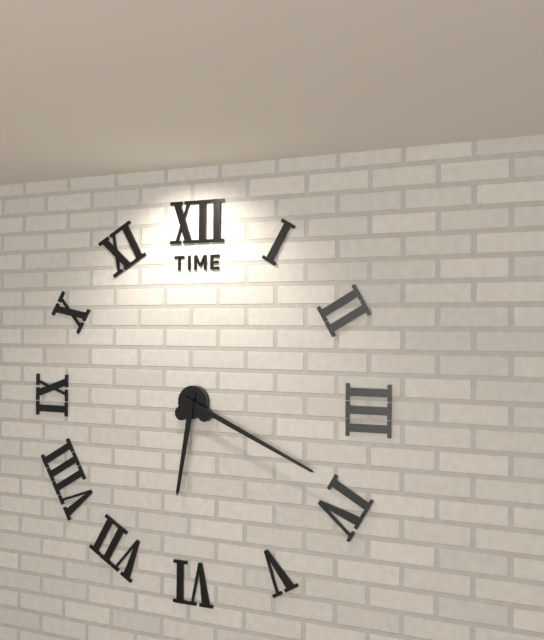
6:19
